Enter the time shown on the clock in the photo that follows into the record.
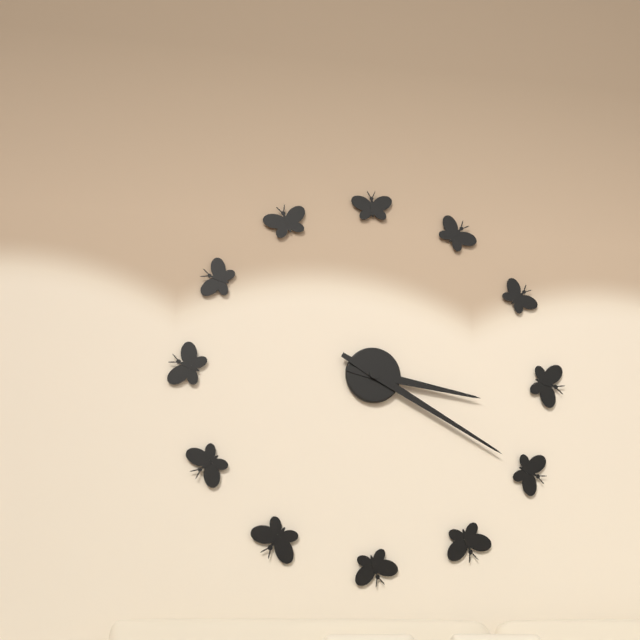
3:20
